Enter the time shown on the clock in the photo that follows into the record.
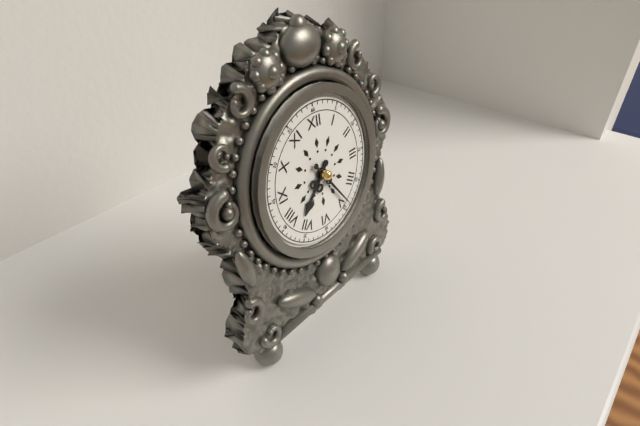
7:24
